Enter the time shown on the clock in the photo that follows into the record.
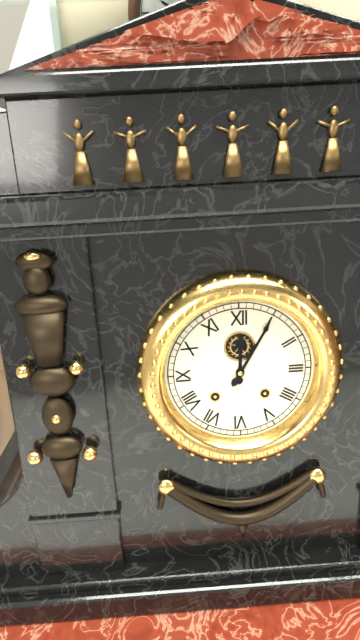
12:05
